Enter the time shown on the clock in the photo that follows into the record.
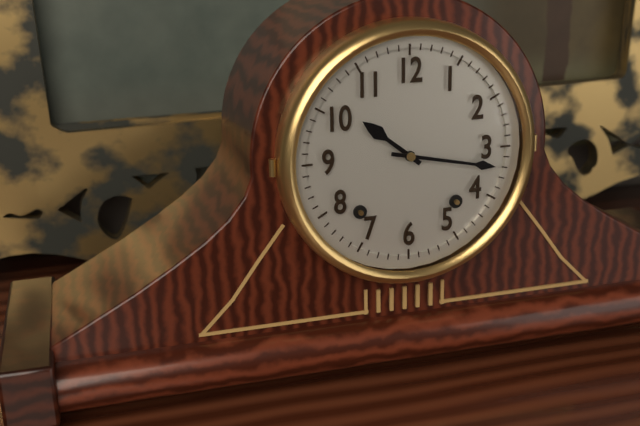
10:17
